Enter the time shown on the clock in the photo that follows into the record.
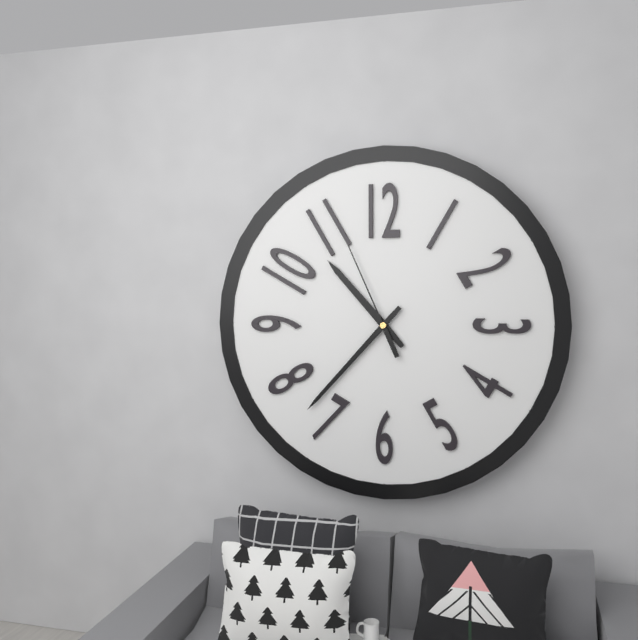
10:37:56
